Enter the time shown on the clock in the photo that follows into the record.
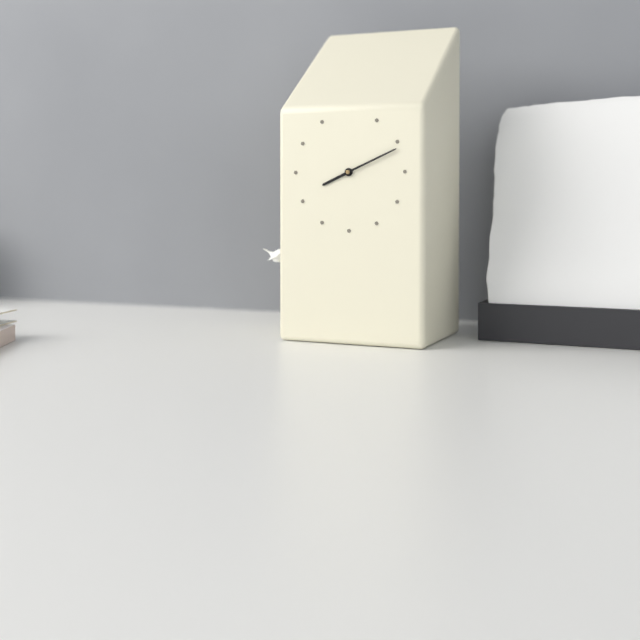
8:11
